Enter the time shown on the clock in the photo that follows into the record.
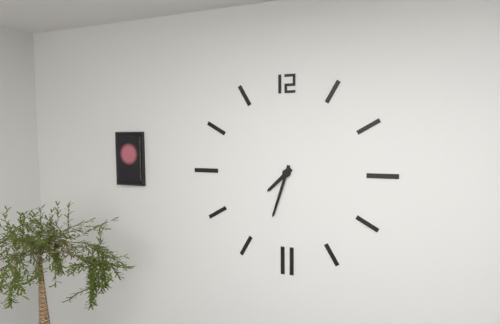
7:33
